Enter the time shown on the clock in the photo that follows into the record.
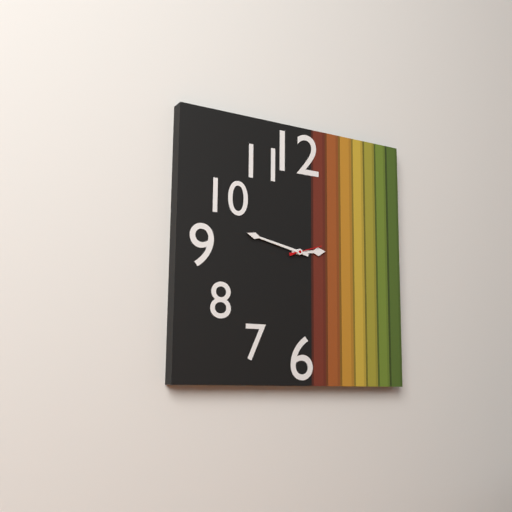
2:47
